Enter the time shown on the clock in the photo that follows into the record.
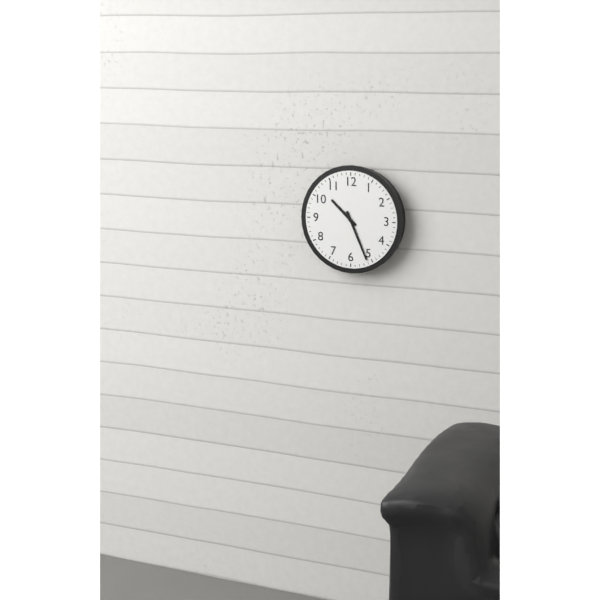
10:26
